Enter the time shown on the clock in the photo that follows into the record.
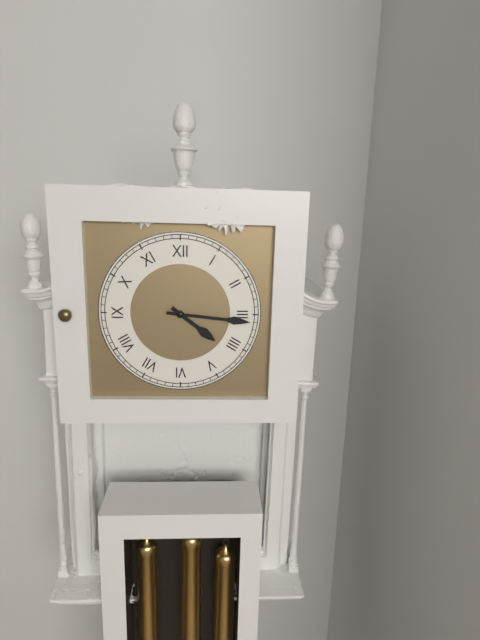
4:16
